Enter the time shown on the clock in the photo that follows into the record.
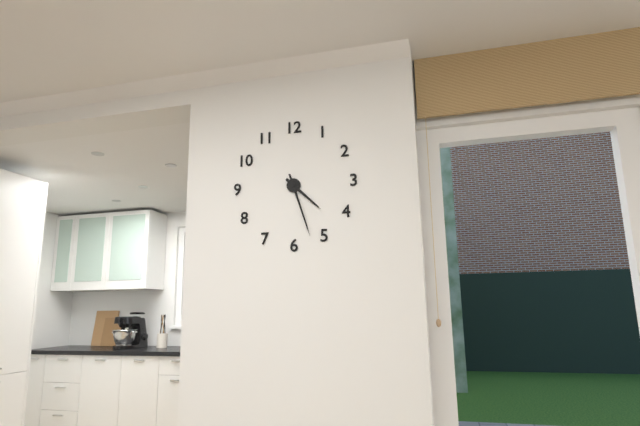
4:27
